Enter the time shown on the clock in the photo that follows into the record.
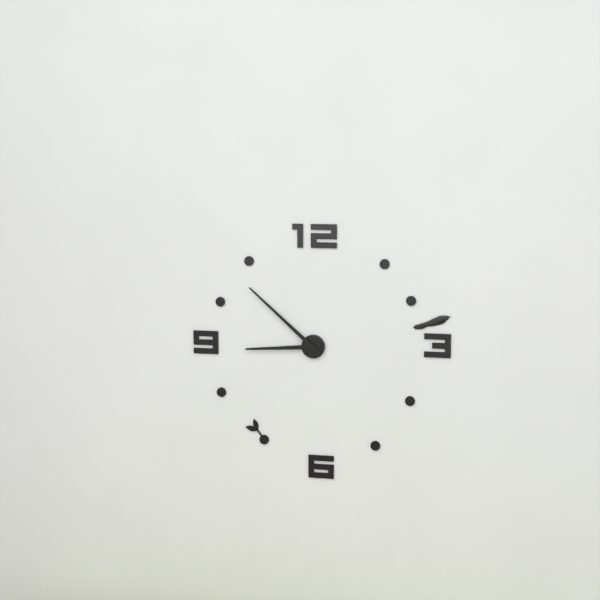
8:52
